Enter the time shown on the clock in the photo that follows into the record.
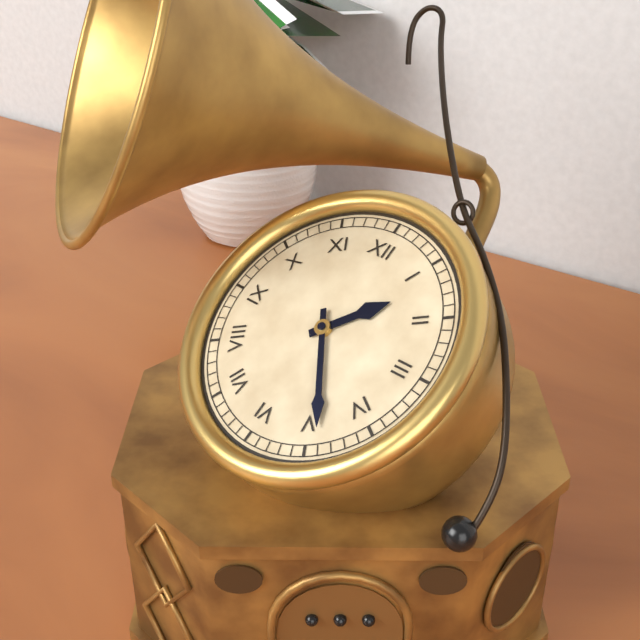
1:24
